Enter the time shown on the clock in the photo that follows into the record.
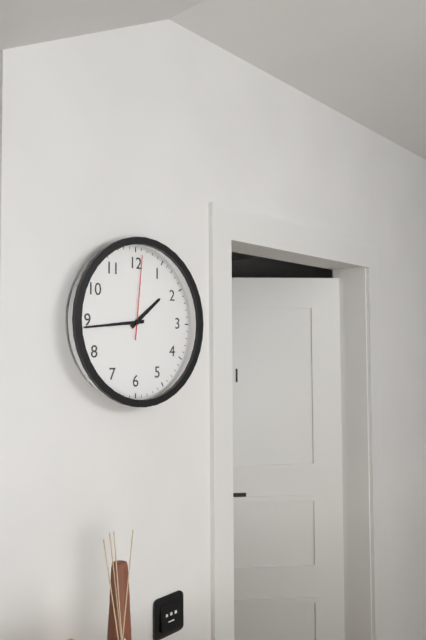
1:44:01
